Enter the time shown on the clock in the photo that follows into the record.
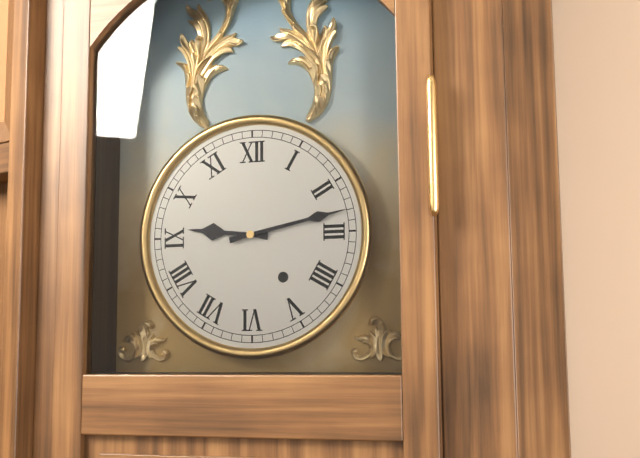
9:13
